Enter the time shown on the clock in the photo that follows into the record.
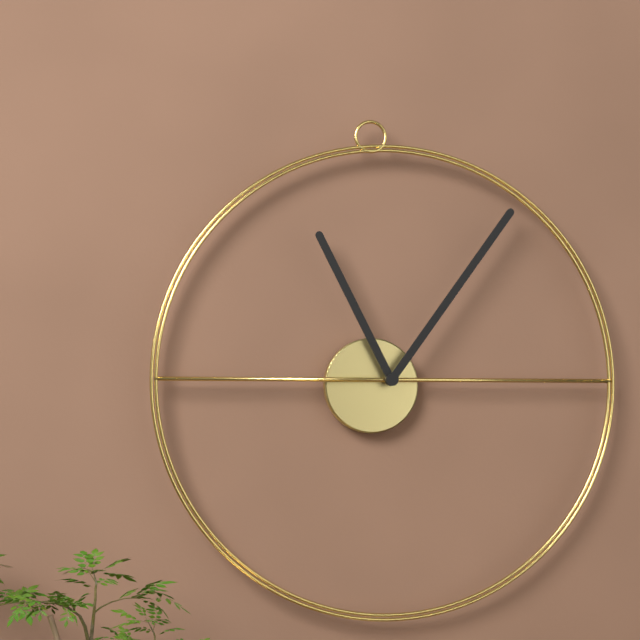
11:06
